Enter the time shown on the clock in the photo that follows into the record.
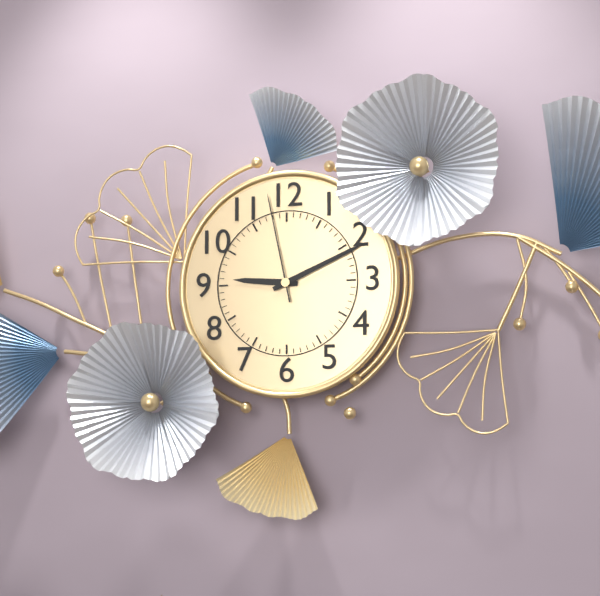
9:11:58
